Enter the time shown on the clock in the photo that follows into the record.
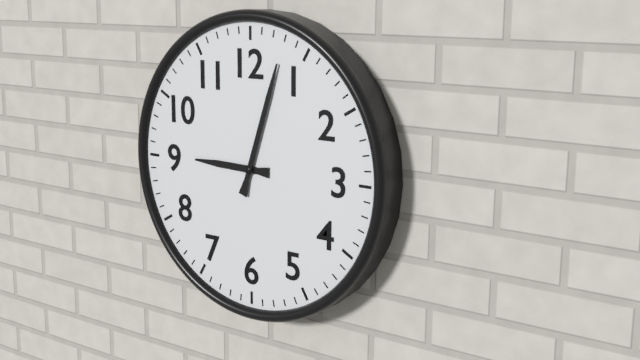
9:03
